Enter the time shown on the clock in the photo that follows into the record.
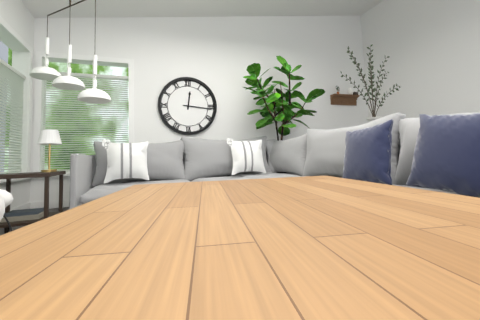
12:16
